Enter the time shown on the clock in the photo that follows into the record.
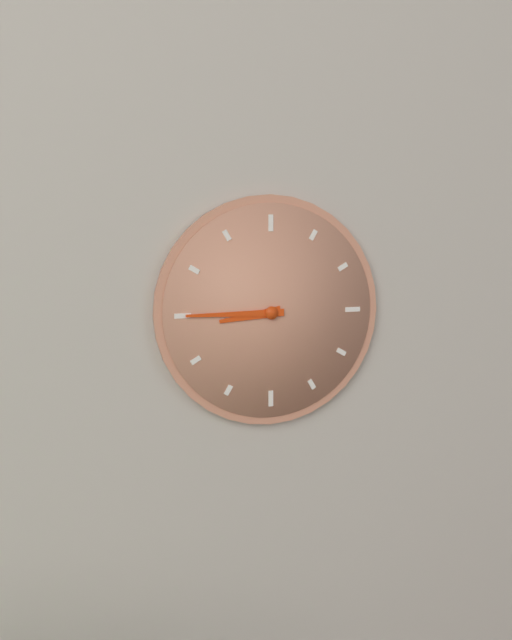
8:45
